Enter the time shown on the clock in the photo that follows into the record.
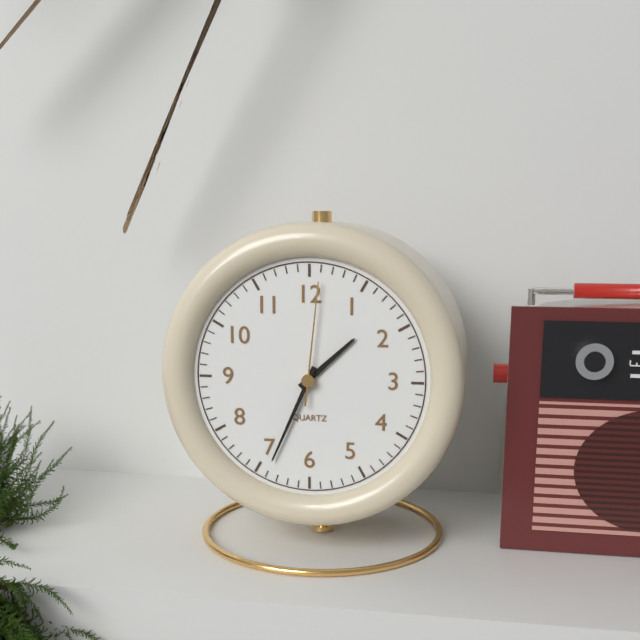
1:34:01
